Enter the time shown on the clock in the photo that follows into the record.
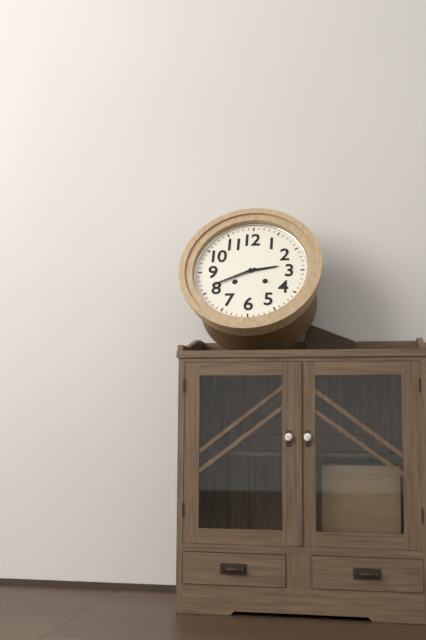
2:41
